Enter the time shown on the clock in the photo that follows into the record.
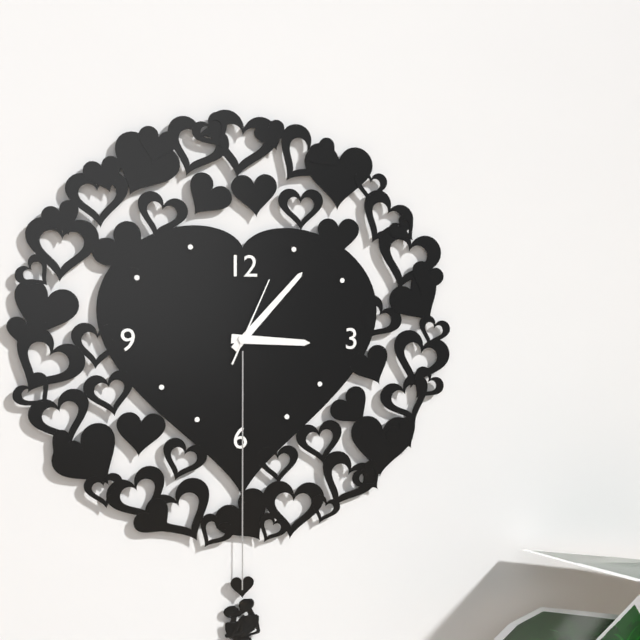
3:07:04
